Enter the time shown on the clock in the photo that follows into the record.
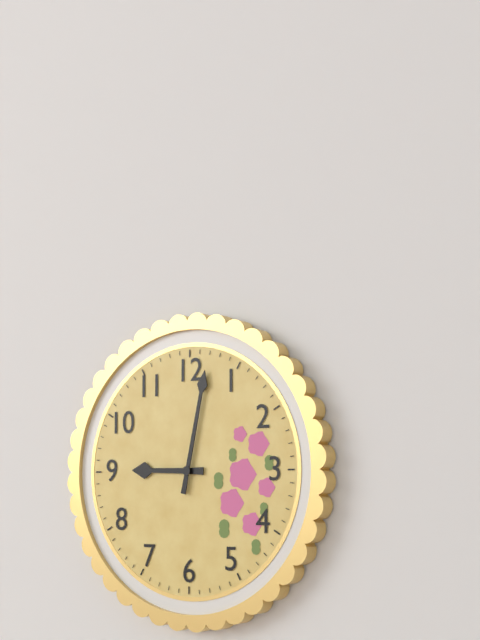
9:02
